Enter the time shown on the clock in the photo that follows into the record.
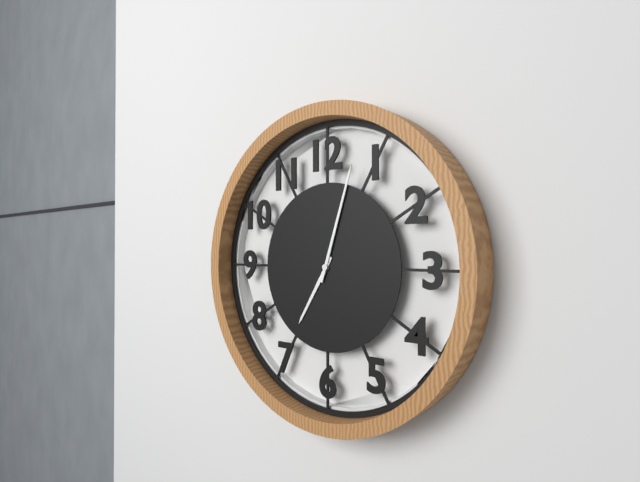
7:03
